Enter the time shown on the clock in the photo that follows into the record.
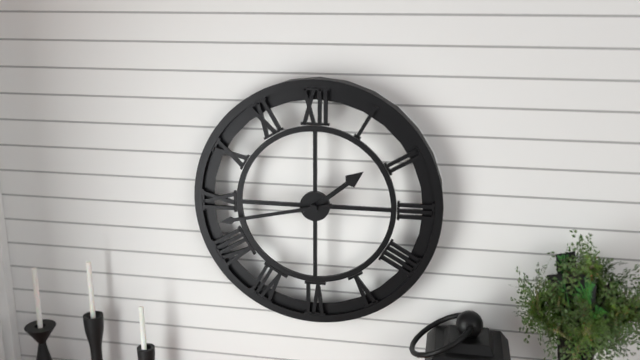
1:43
